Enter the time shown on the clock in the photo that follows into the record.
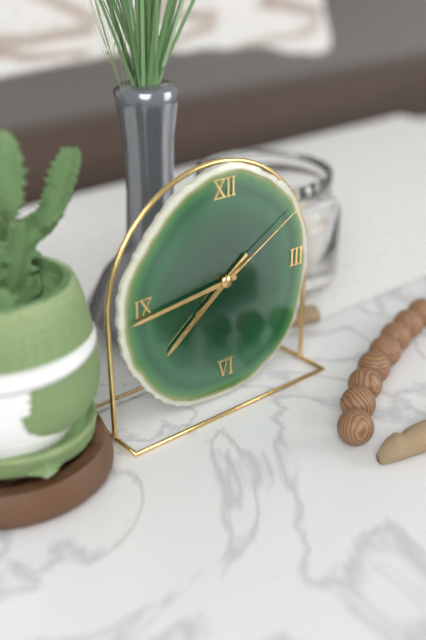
7:44:10
